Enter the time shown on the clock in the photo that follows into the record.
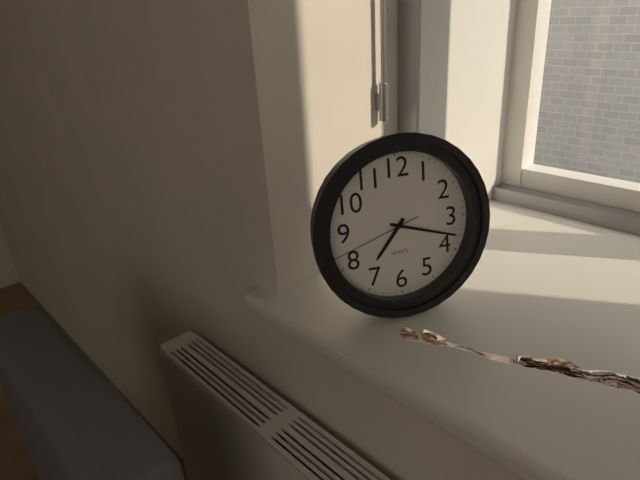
7:18:42
